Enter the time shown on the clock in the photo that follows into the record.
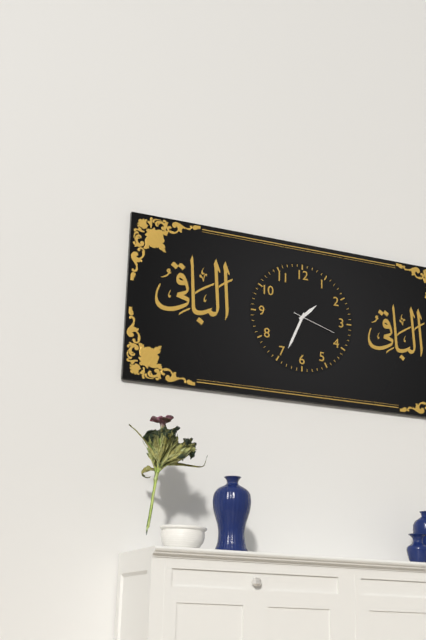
1:34
